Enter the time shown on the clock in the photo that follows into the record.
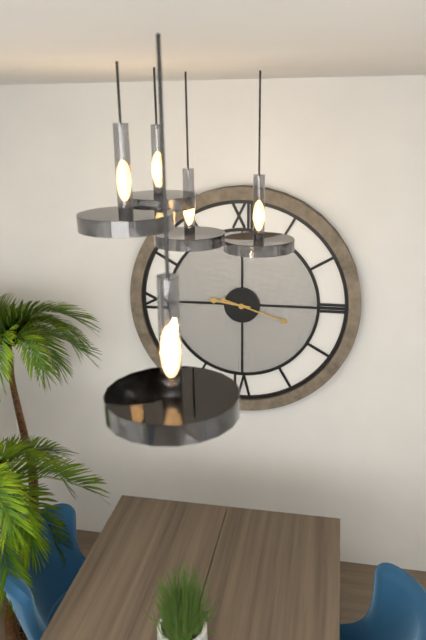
9:18
